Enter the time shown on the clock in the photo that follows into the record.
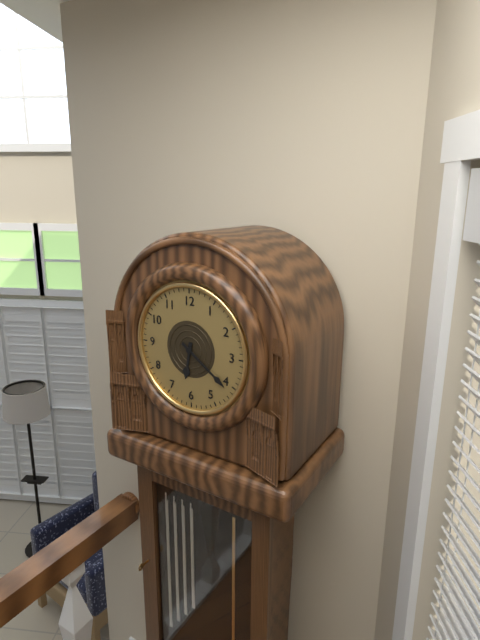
6:21
